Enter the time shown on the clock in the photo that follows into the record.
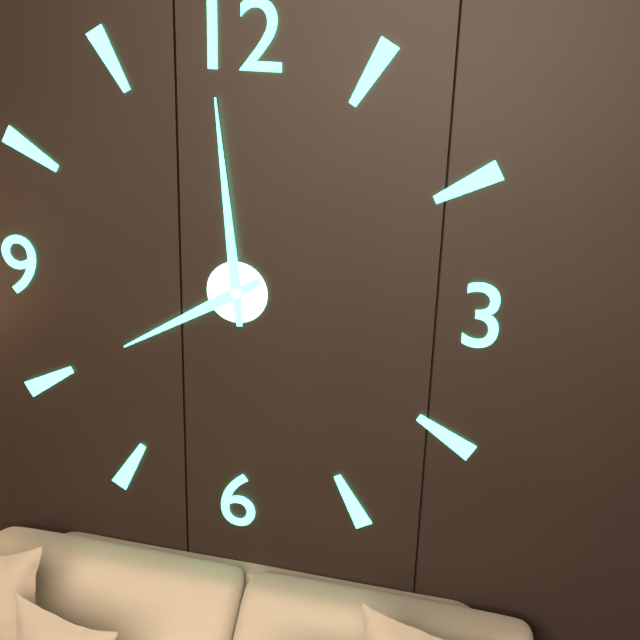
7:59
